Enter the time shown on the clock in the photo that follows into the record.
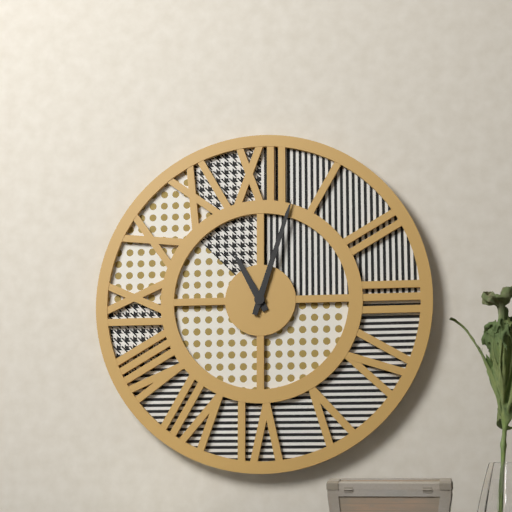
11:03
